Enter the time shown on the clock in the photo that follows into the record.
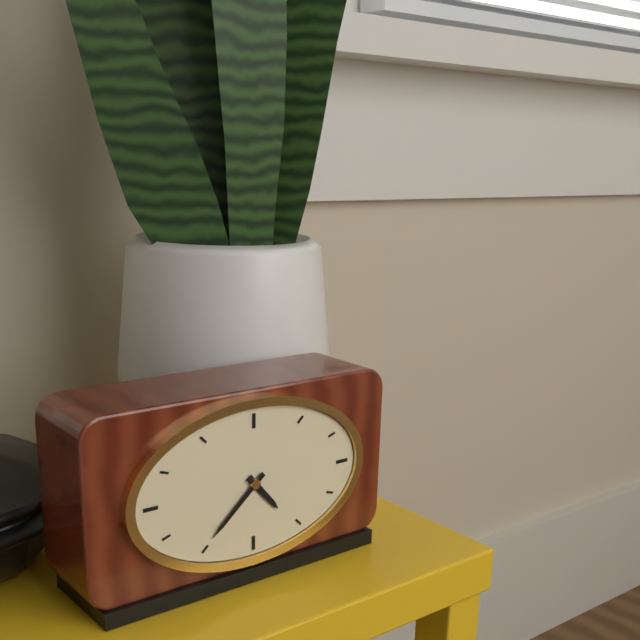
4:38
